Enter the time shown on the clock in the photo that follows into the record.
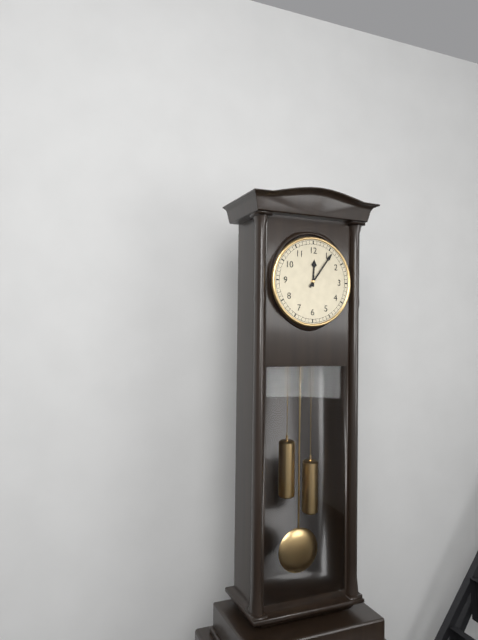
12:06
